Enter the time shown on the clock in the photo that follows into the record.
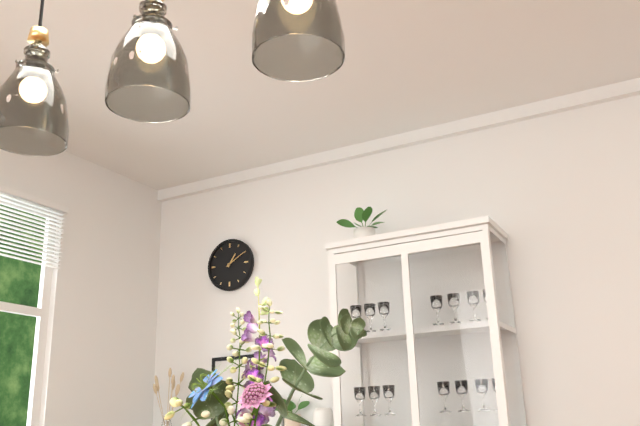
1:10
